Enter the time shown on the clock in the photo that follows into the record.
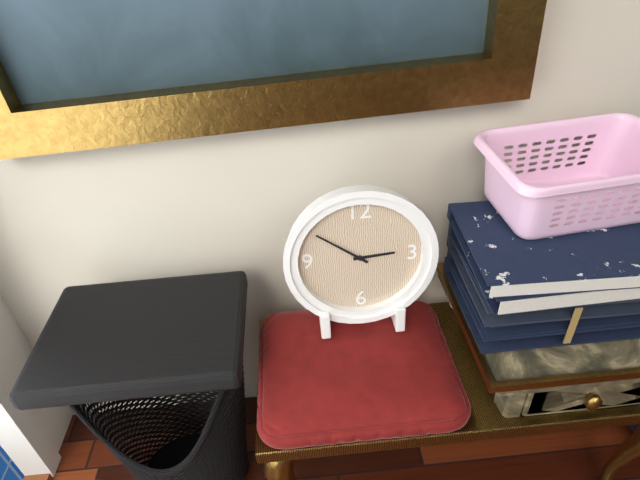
2:51
